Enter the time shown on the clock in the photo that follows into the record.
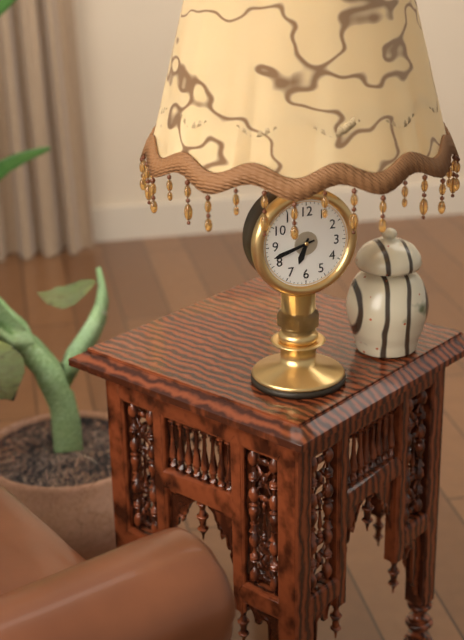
6:42
